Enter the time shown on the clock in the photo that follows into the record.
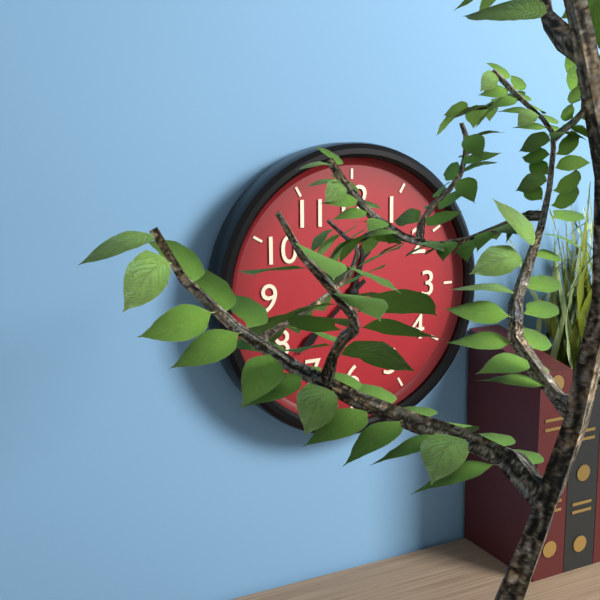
12:38
